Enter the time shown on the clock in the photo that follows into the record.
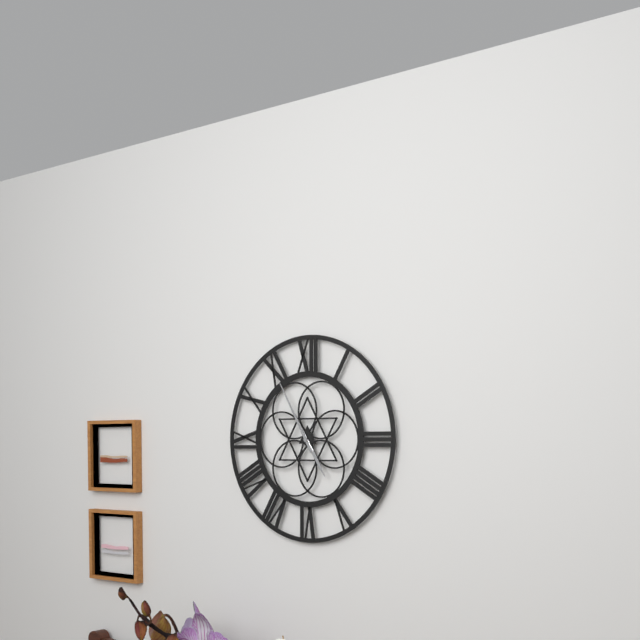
4:55
